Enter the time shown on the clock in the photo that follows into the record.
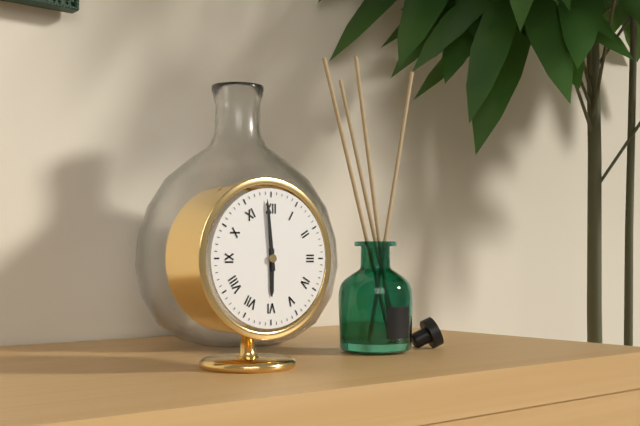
5:59
